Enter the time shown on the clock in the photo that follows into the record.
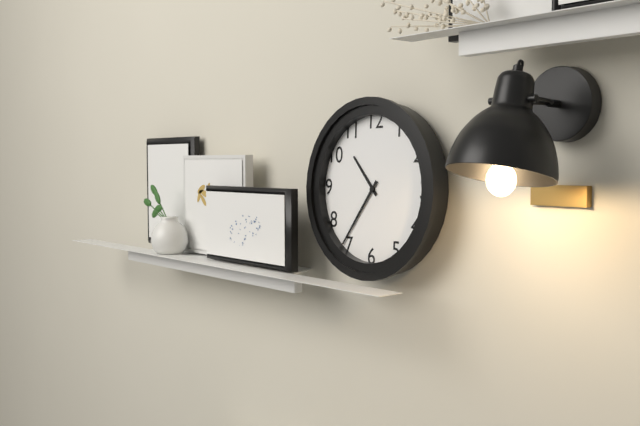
10:36
